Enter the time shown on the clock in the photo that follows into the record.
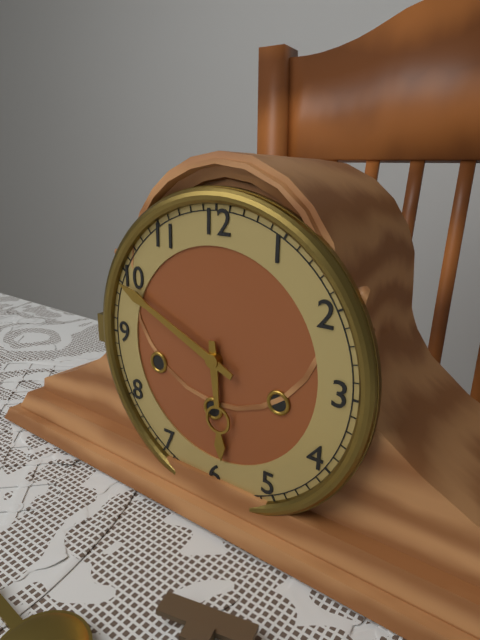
5:49
